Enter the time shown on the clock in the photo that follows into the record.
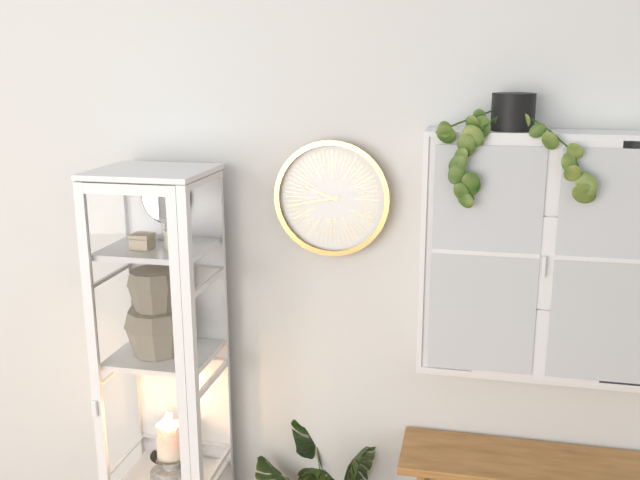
9:43
